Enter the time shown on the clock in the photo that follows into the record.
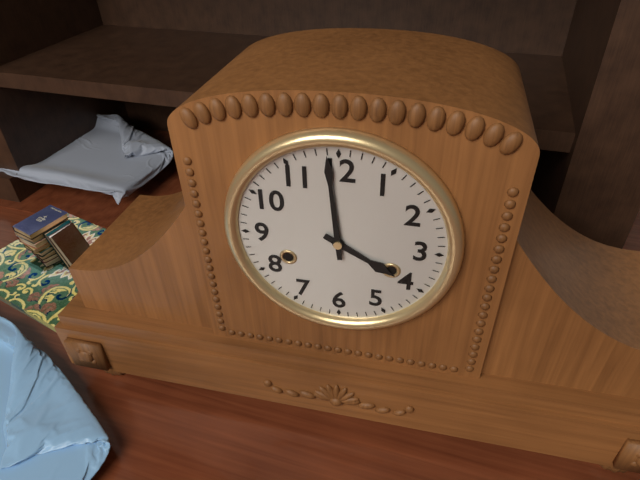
3:59
